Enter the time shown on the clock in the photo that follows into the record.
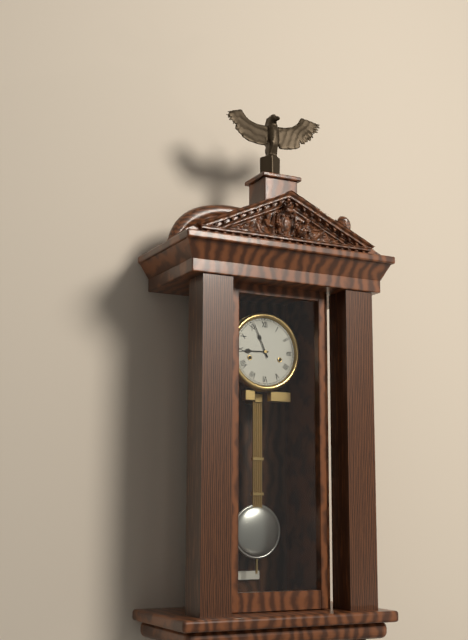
8:56
